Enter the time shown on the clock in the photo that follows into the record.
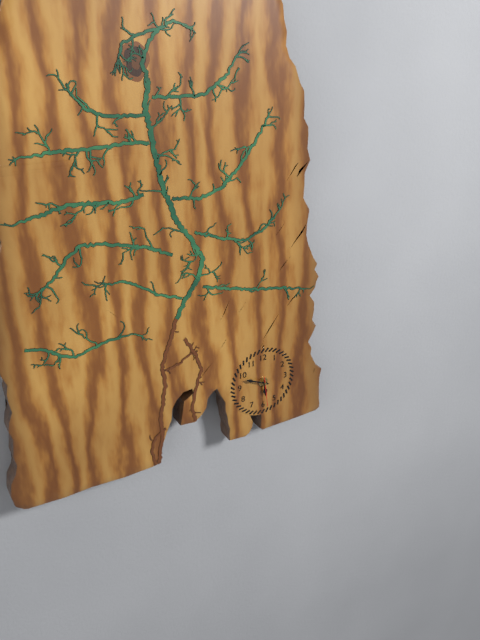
5:49
